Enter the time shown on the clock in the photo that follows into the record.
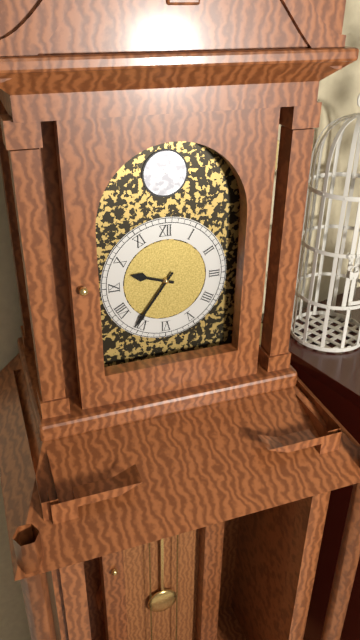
9:36
